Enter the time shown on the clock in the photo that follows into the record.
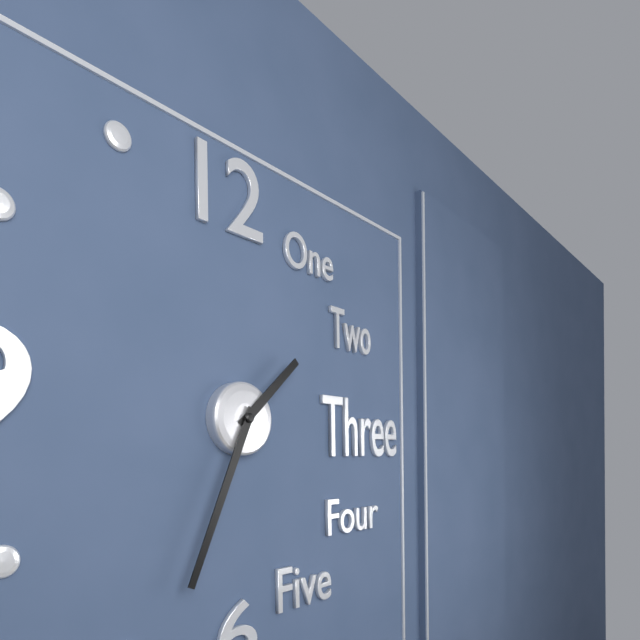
1:34
